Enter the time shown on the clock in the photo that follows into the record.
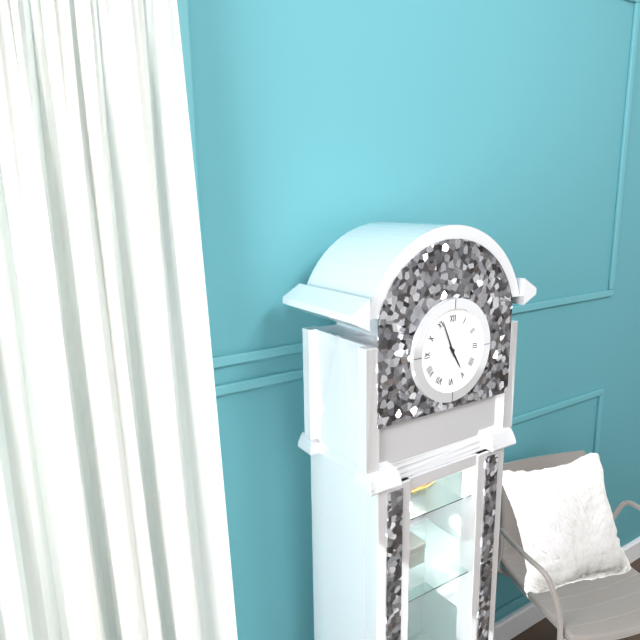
4:56
